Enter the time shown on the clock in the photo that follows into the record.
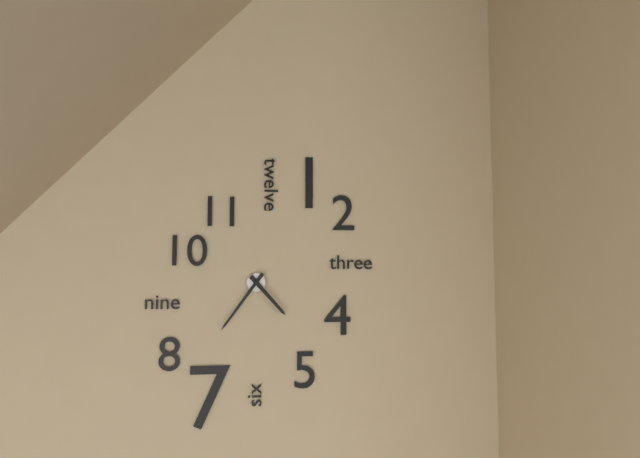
4:36
